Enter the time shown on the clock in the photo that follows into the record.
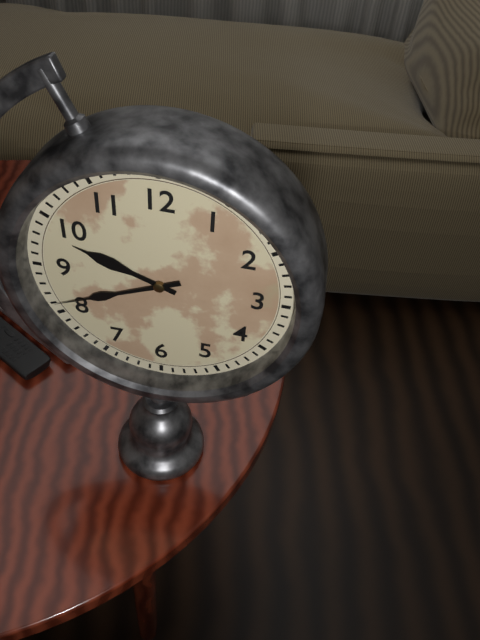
9:41
